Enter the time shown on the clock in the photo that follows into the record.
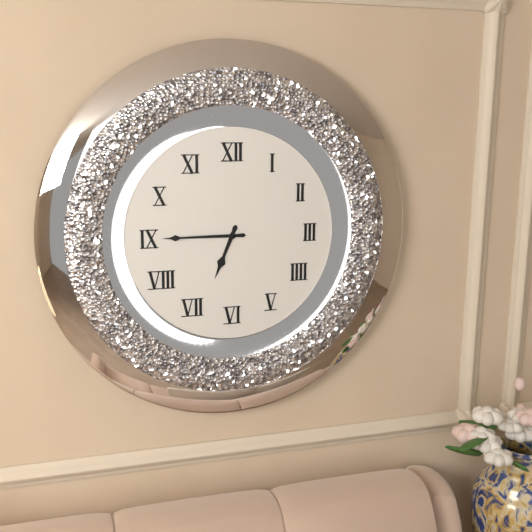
6:45
